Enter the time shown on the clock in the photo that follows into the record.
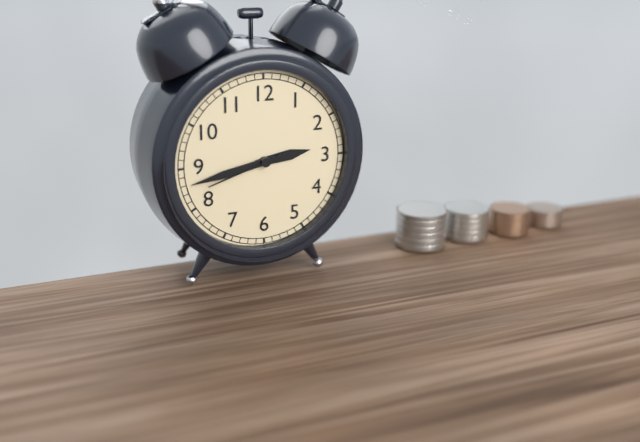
2:43:42
